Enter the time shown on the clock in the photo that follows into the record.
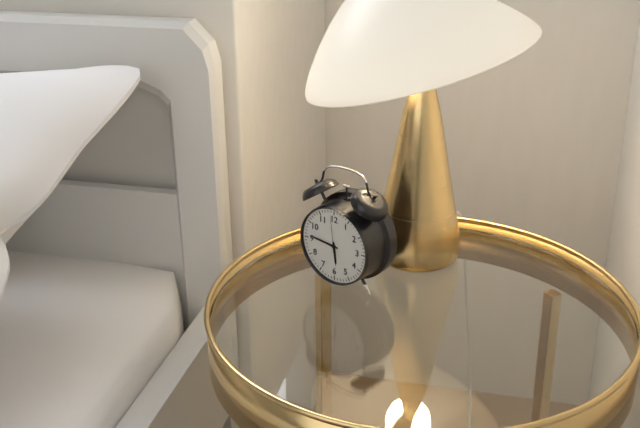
5:46
